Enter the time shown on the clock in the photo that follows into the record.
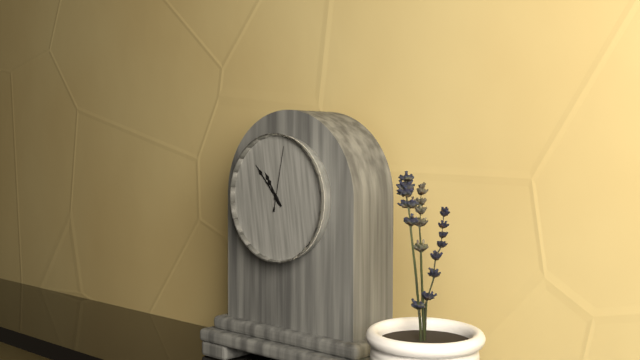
10:53:02
